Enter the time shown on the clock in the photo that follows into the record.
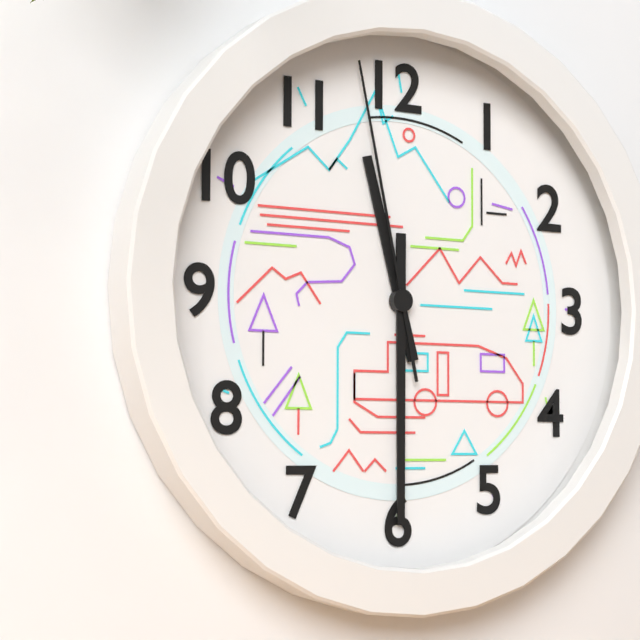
11:30:58
